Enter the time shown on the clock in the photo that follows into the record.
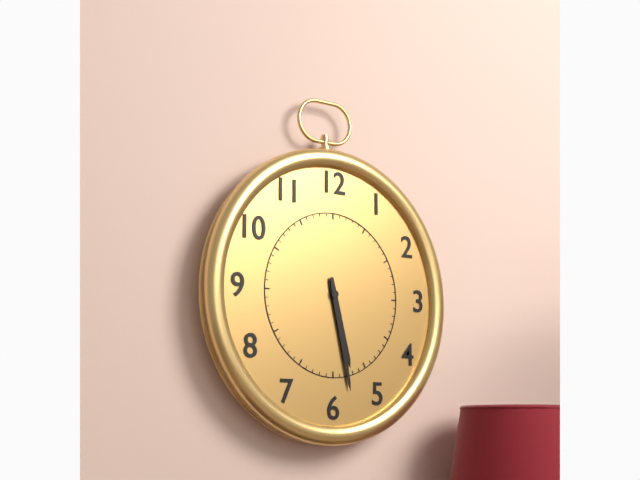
5:28
